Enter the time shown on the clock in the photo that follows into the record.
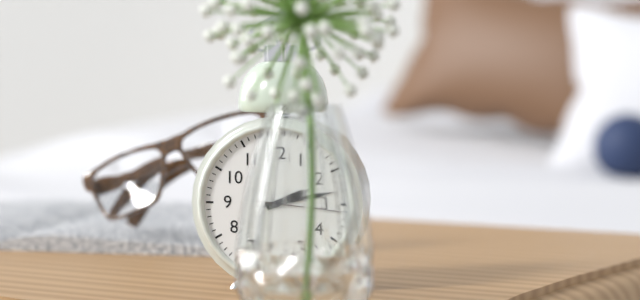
2:13:16
